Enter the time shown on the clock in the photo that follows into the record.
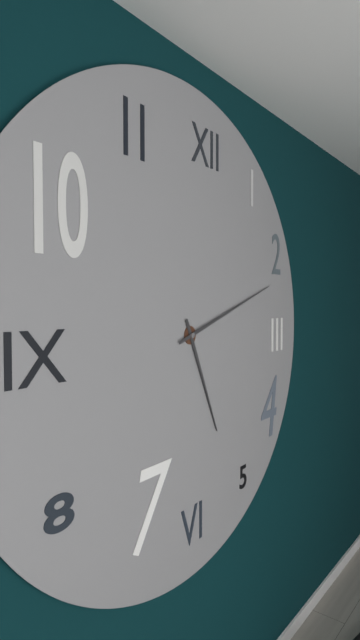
5:12
